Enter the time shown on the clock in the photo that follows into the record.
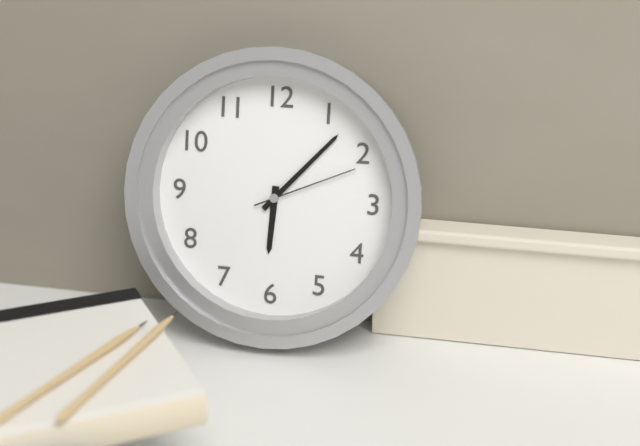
6:07:11
